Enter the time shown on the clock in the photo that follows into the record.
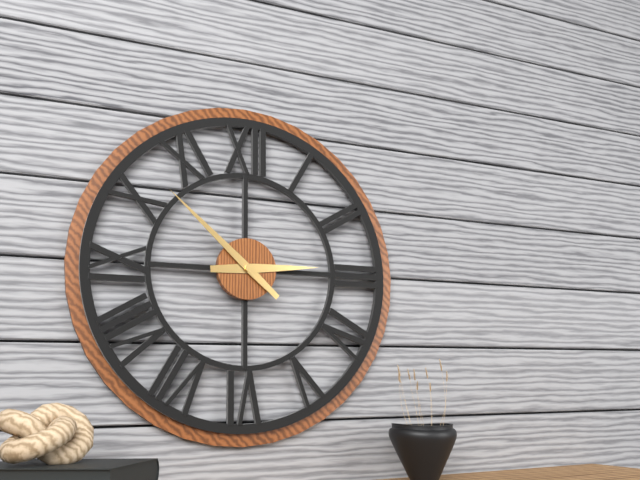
2:52
